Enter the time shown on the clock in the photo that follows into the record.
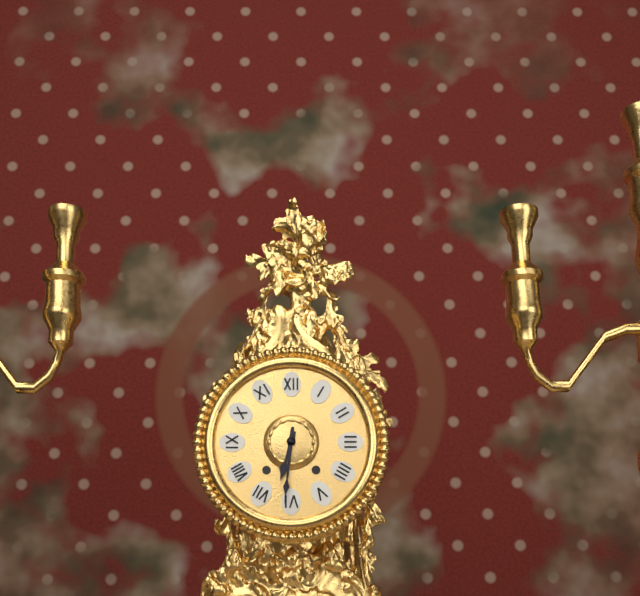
6:31
